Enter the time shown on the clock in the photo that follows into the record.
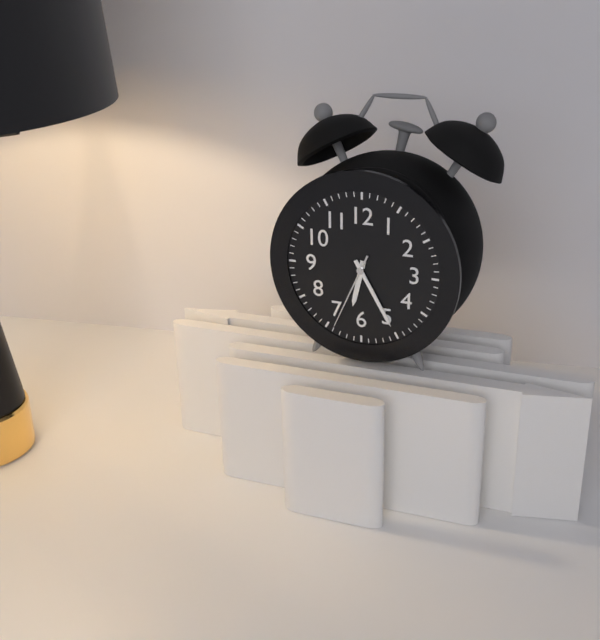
6:25:34
